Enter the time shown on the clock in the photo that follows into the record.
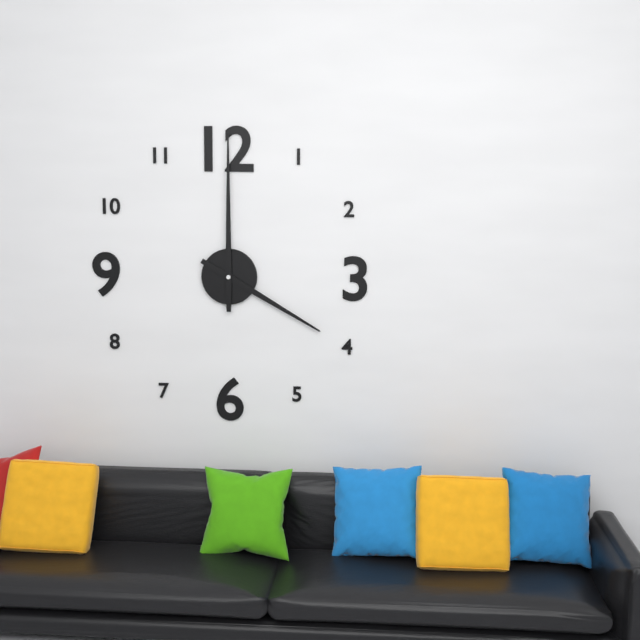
4:00
